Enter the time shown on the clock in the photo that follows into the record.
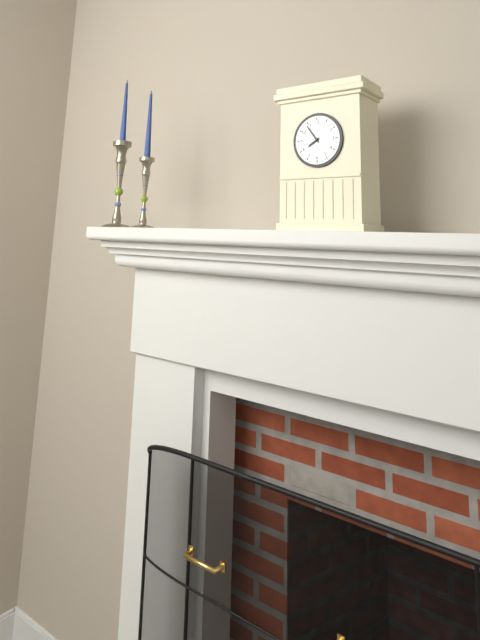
7:54
